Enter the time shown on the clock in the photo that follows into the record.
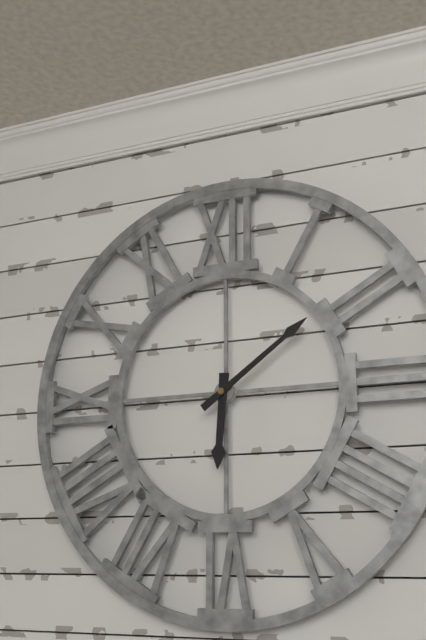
6:09
